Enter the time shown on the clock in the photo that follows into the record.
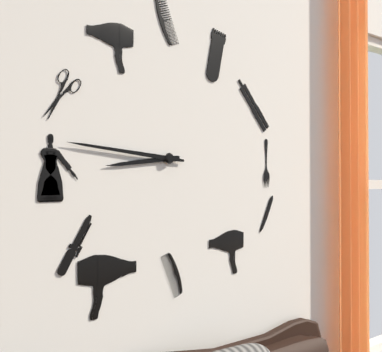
8:46
